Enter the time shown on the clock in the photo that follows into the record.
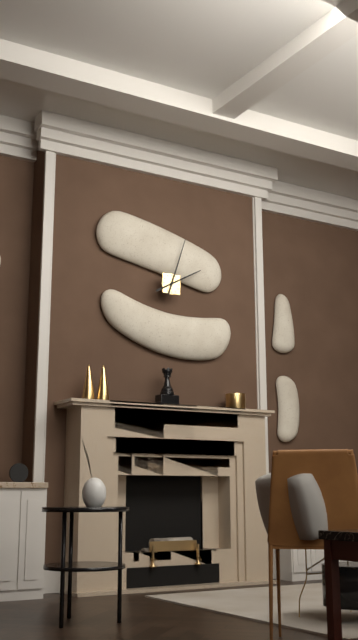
2:03
